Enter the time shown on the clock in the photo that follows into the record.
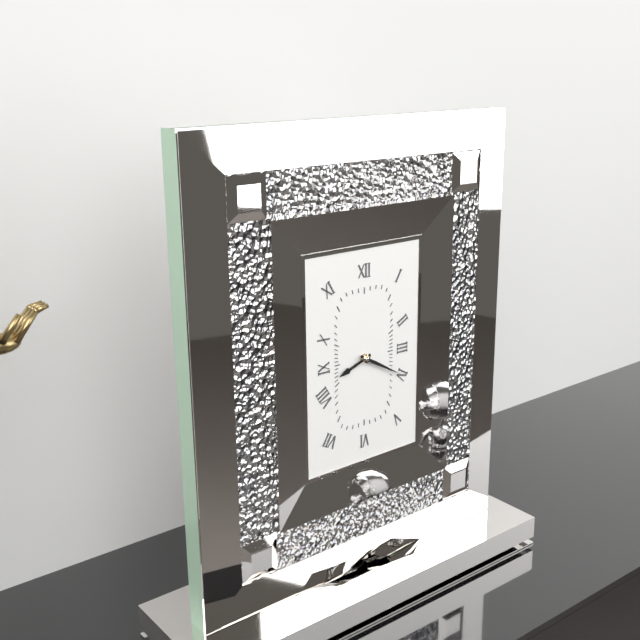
8:20
